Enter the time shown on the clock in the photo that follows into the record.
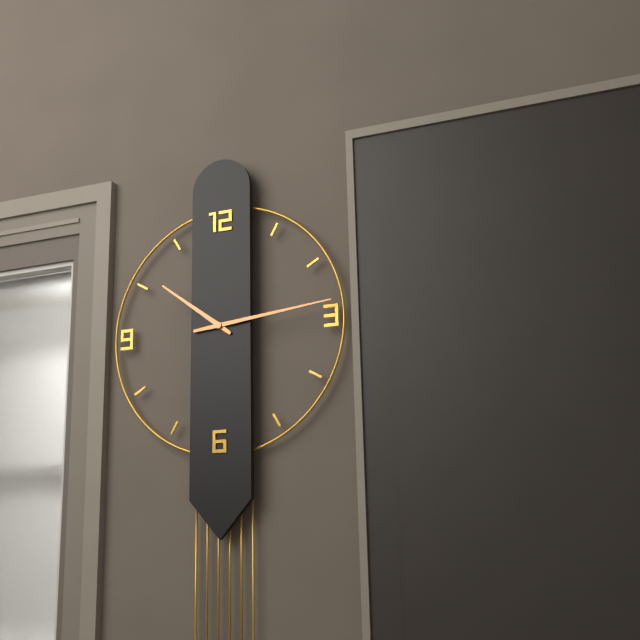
10:14
